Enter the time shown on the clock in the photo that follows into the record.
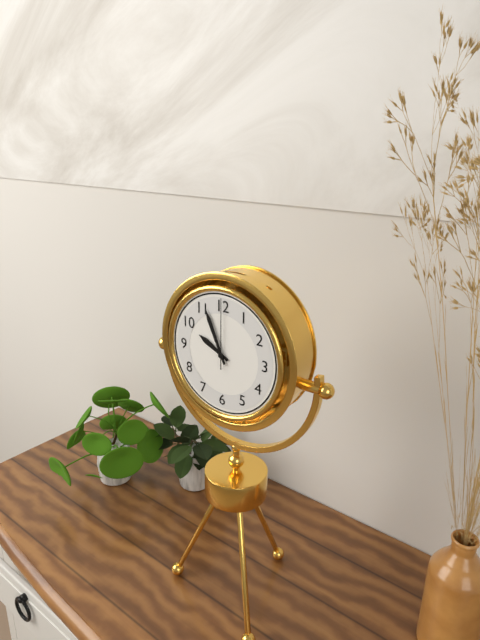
9:56:00
